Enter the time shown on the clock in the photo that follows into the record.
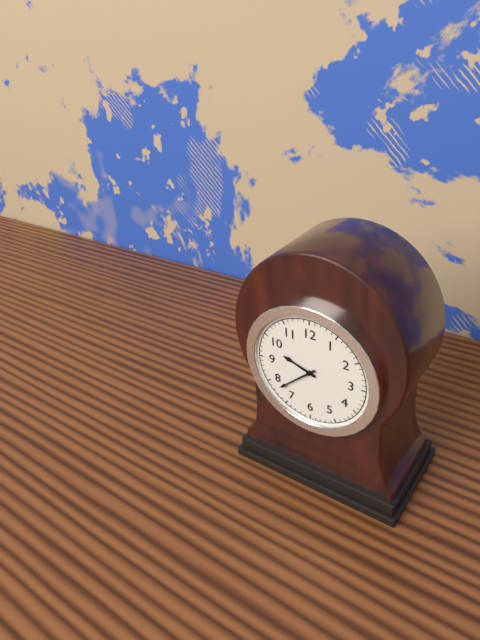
9:38
